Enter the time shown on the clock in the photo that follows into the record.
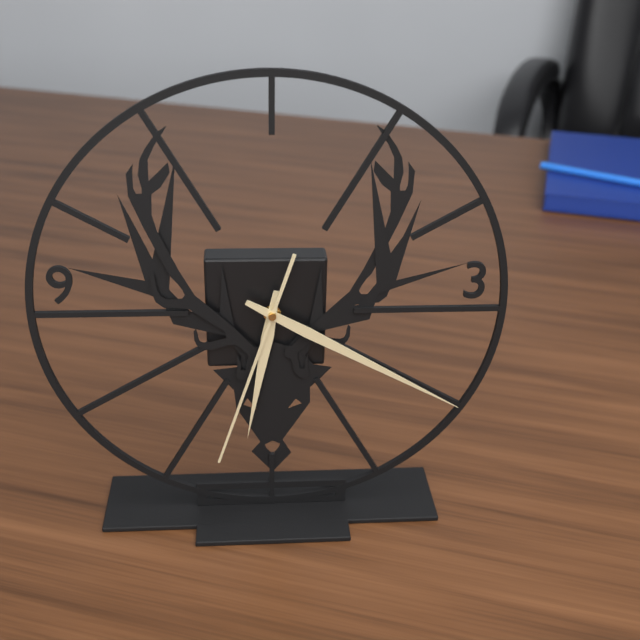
6:20:33
